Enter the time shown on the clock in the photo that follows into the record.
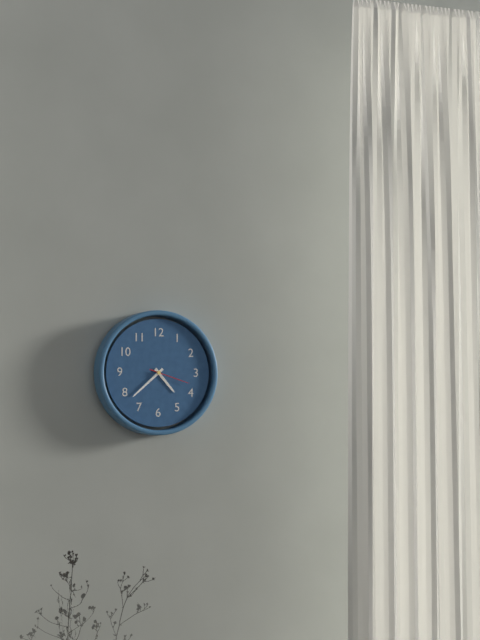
4:38
